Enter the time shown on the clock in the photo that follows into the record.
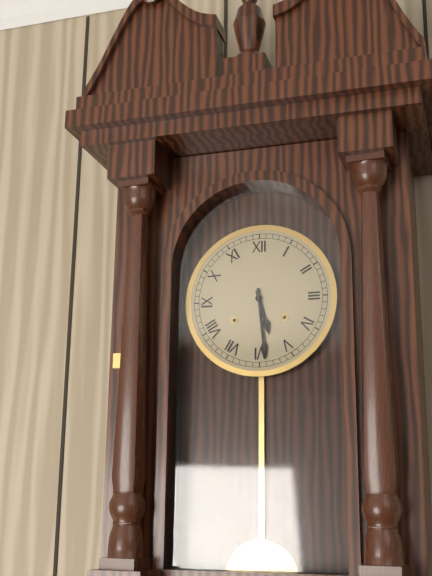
5:29
